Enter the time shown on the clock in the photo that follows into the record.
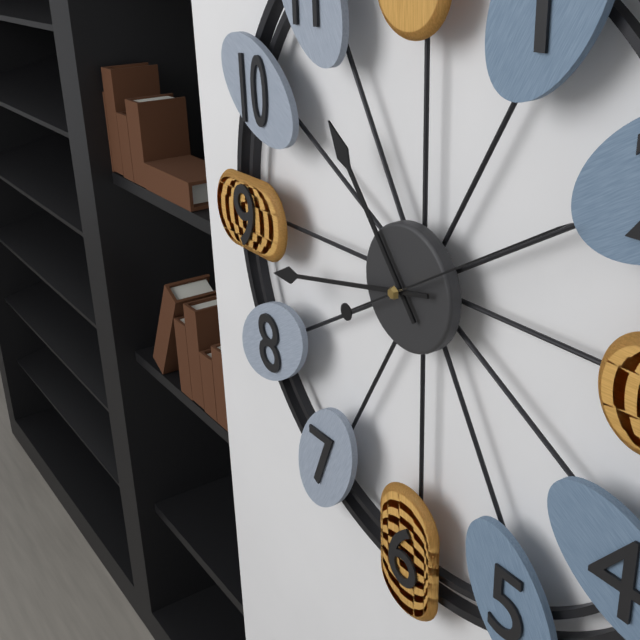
10:43:10
